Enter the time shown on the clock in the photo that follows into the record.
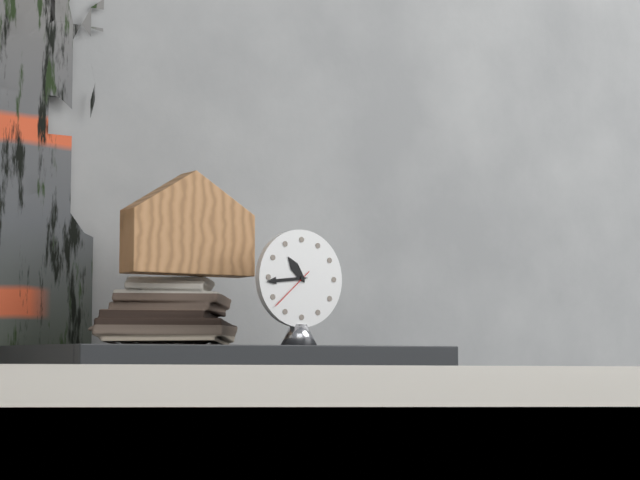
10:44
